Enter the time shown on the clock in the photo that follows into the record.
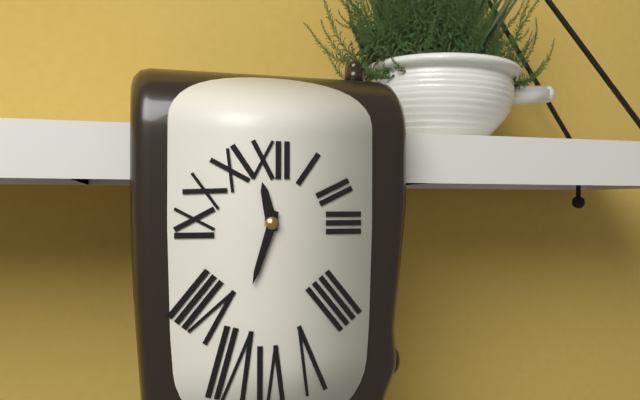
11:33
